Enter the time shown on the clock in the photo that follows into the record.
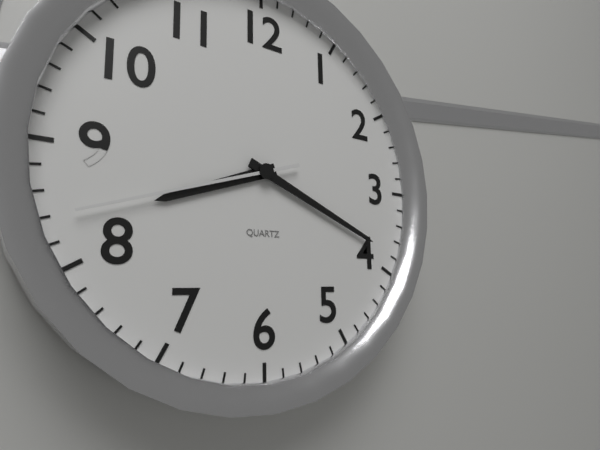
8:19:42
